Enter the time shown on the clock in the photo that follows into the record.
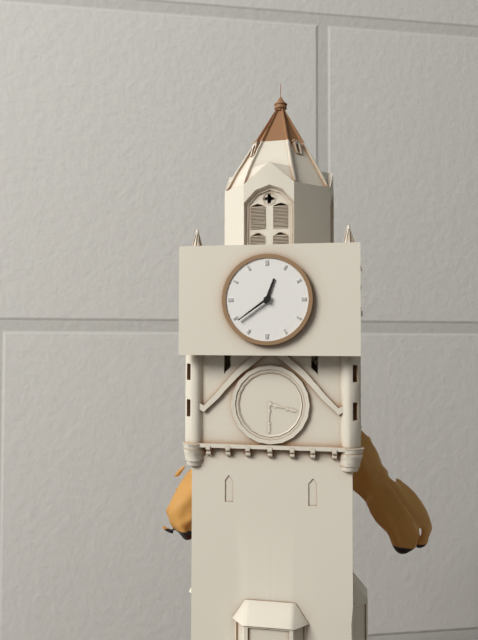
12:39
